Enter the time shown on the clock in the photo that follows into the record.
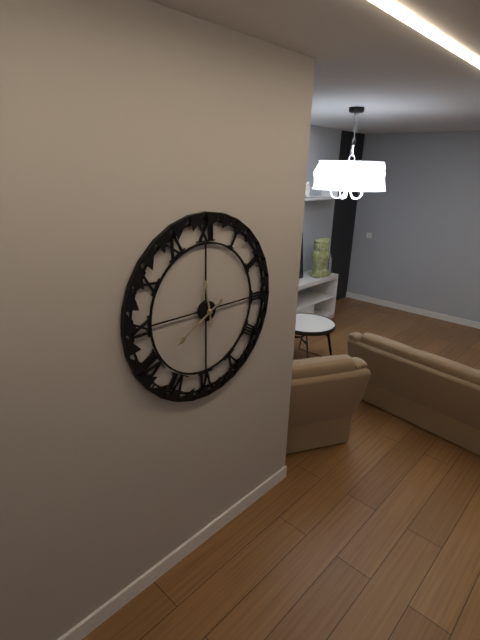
11:40
